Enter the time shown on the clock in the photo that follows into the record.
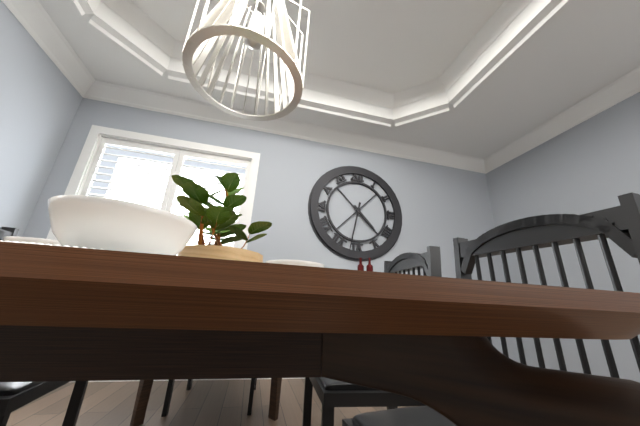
4:32
